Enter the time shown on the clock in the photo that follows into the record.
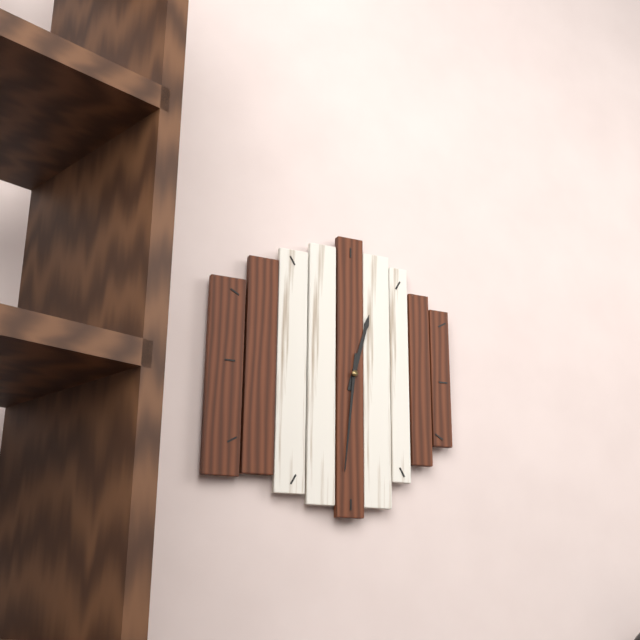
12:31
